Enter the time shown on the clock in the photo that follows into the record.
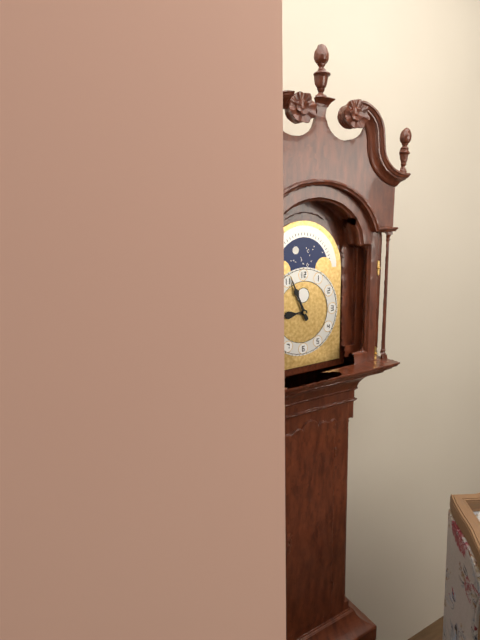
8:56
